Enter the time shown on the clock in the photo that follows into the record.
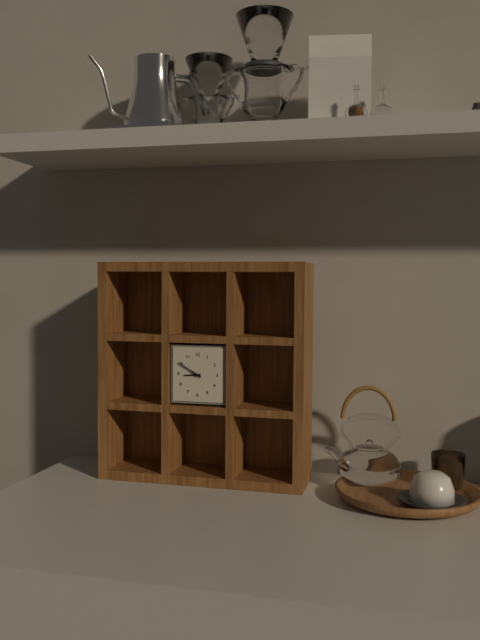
8:50
